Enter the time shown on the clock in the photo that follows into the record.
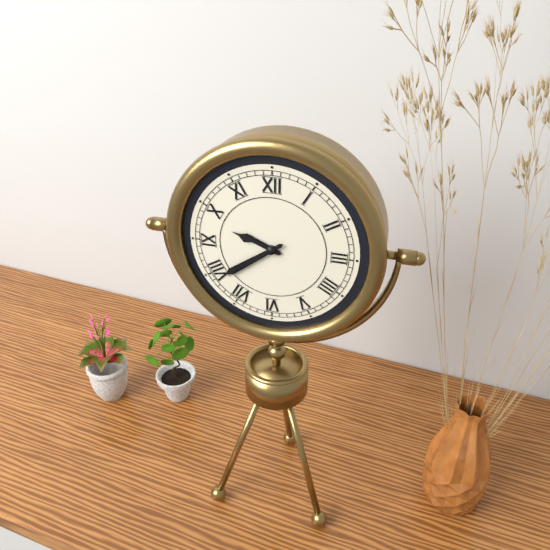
9:39
